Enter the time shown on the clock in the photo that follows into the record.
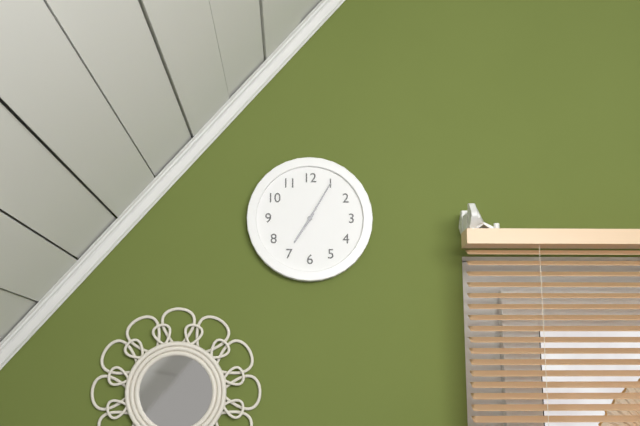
7:05
